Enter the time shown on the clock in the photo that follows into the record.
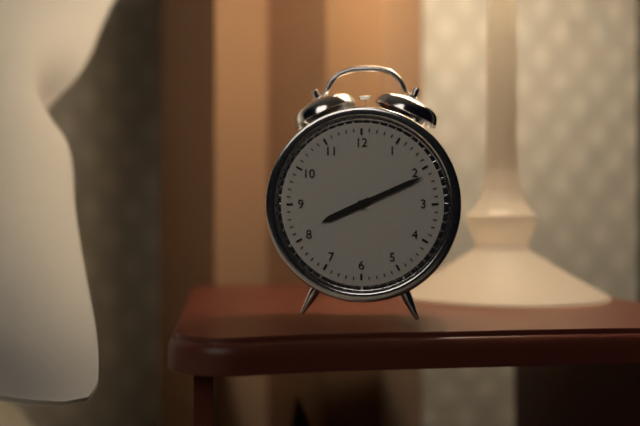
8:11
